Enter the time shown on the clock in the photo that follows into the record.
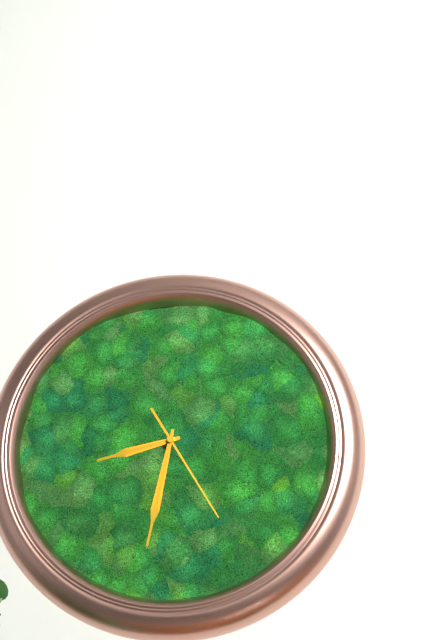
8:32:25
